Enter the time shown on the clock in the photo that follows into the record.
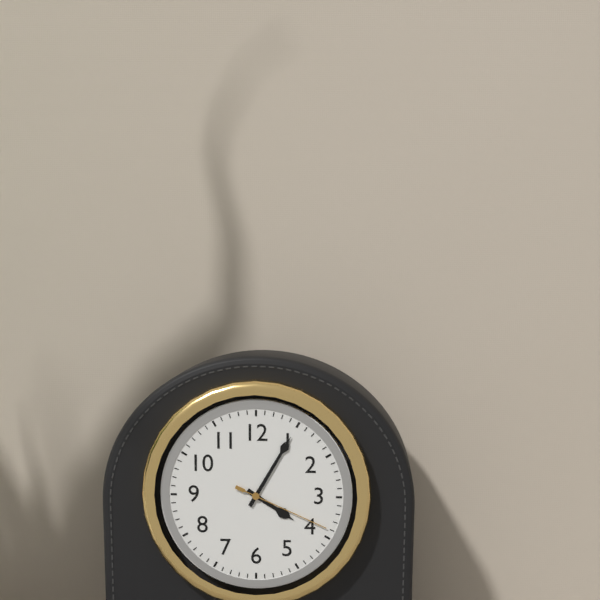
4:05:19
